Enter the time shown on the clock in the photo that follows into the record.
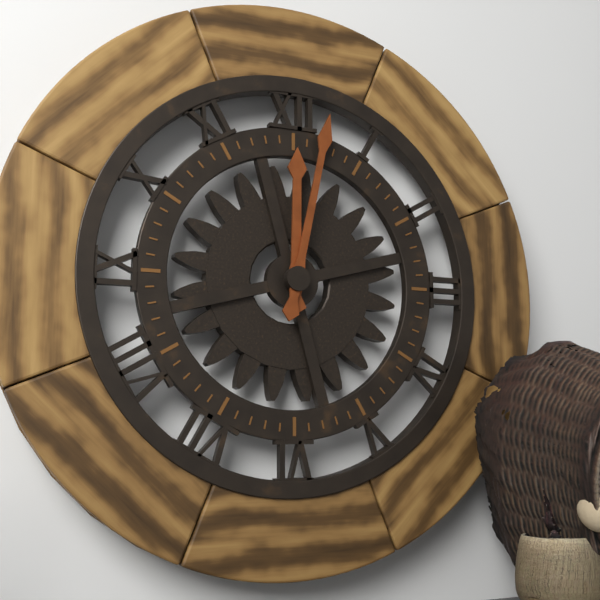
12:02
